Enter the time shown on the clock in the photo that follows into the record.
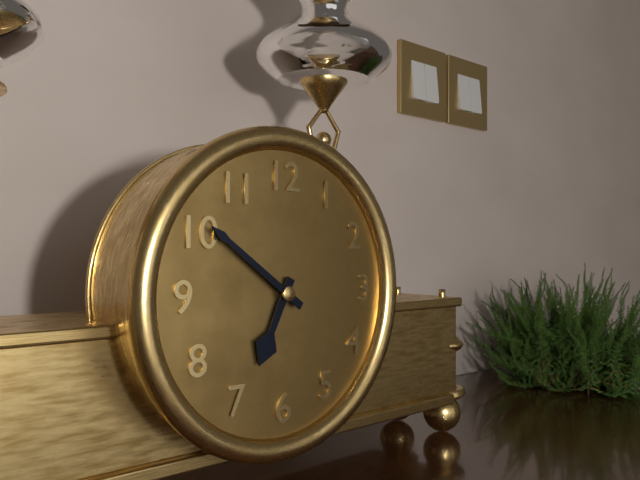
6:51
